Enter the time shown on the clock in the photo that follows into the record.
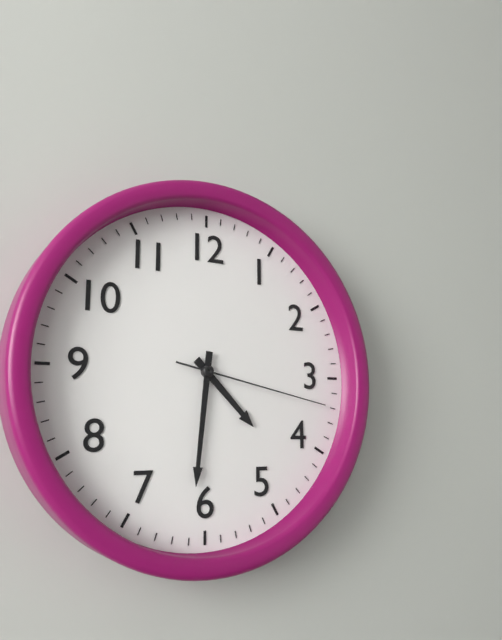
4:31:17
